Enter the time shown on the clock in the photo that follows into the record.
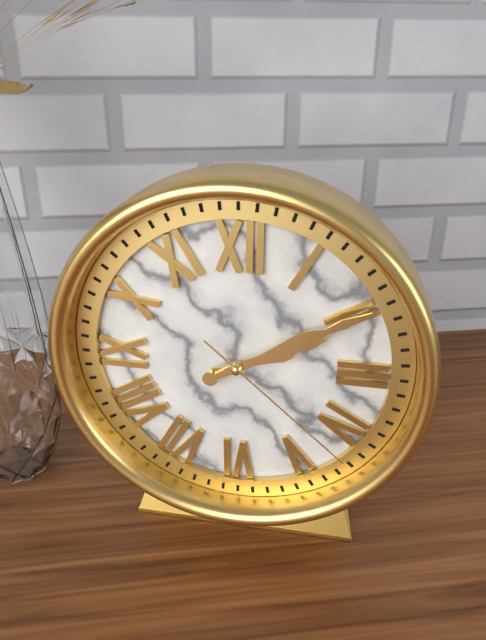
2:10:22
